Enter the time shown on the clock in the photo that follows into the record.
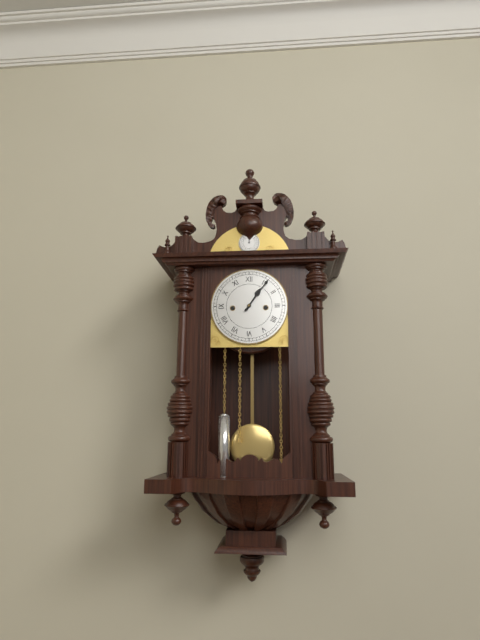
1:06
